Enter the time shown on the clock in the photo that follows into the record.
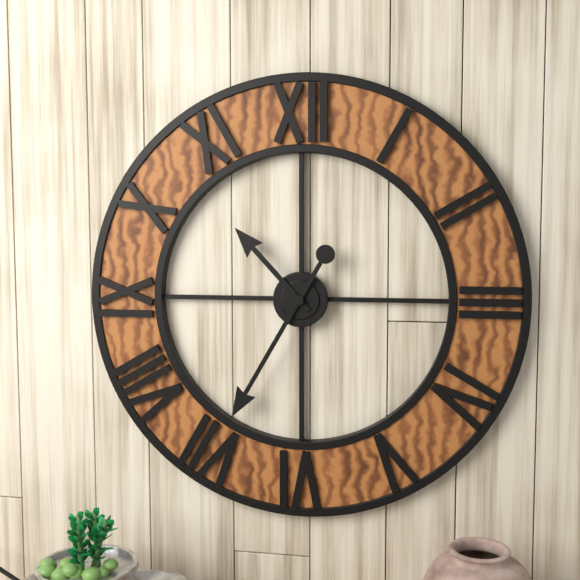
10:35
